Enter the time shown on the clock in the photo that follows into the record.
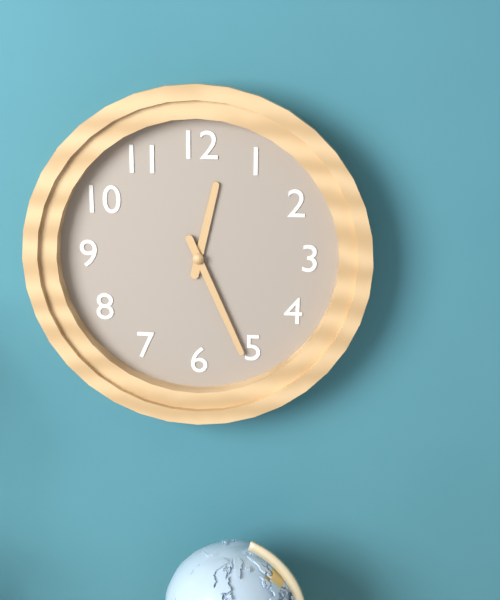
12:26
